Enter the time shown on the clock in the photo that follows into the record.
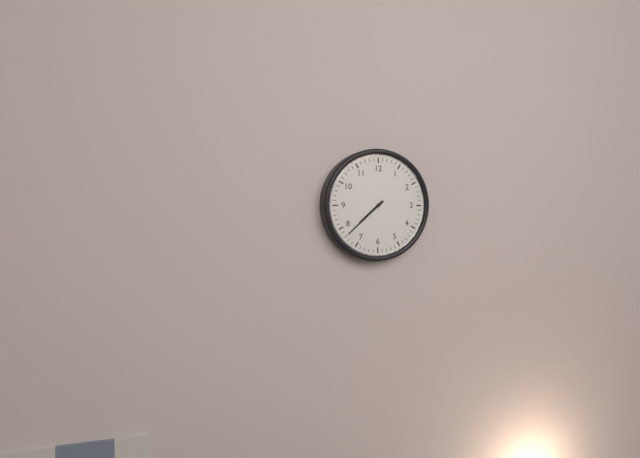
7:38
